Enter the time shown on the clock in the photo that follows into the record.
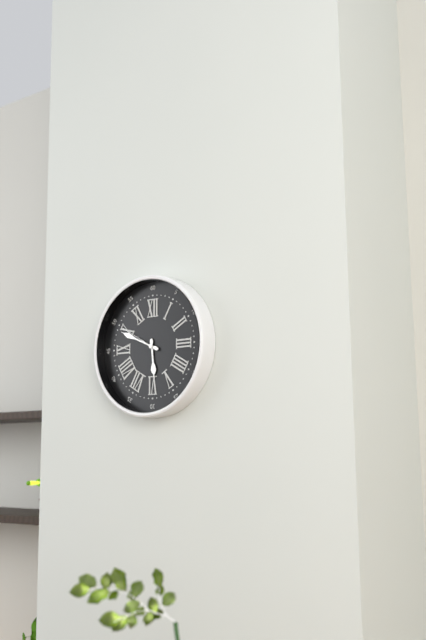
5:49
